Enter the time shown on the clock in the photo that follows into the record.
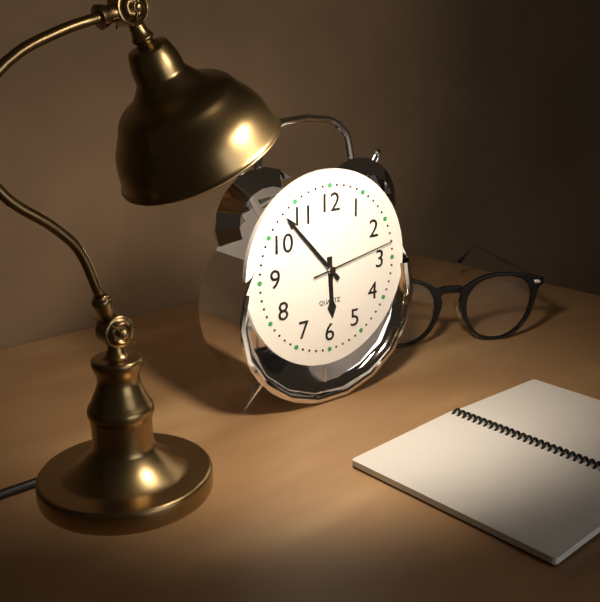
5:53:13
